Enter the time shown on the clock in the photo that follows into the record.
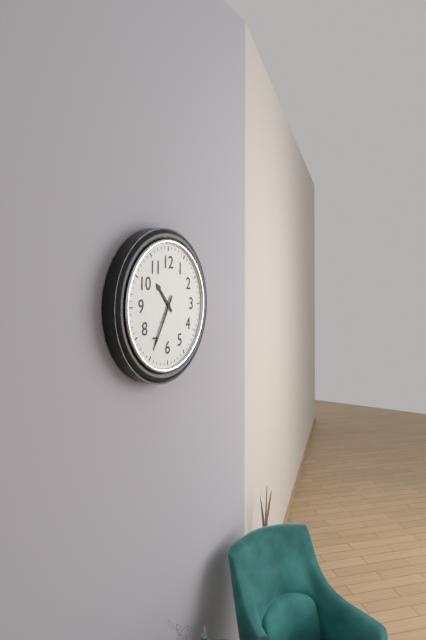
10:35
